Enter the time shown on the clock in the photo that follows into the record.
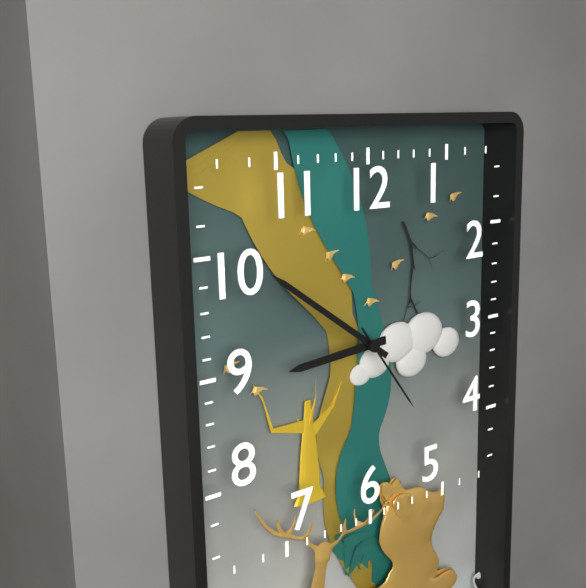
8:51:24
